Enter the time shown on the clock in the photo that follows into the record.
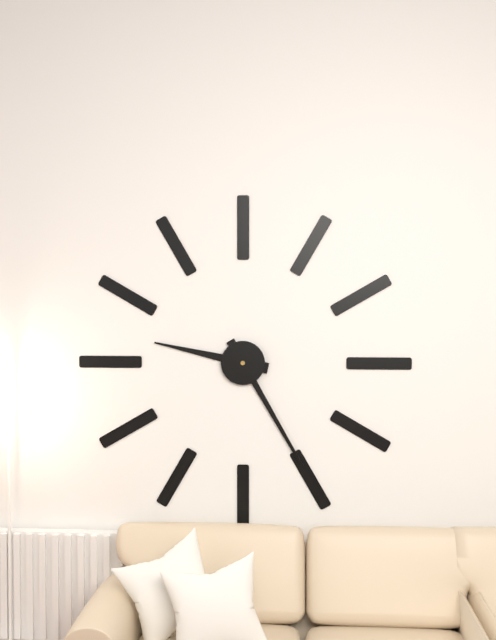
9:25
